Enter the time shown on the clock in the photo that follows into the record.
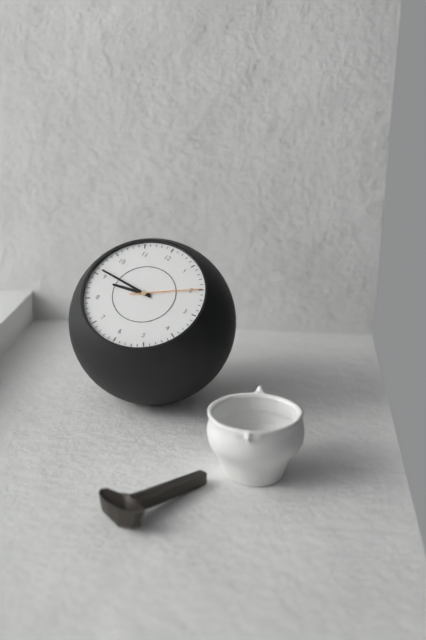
8:46:10
